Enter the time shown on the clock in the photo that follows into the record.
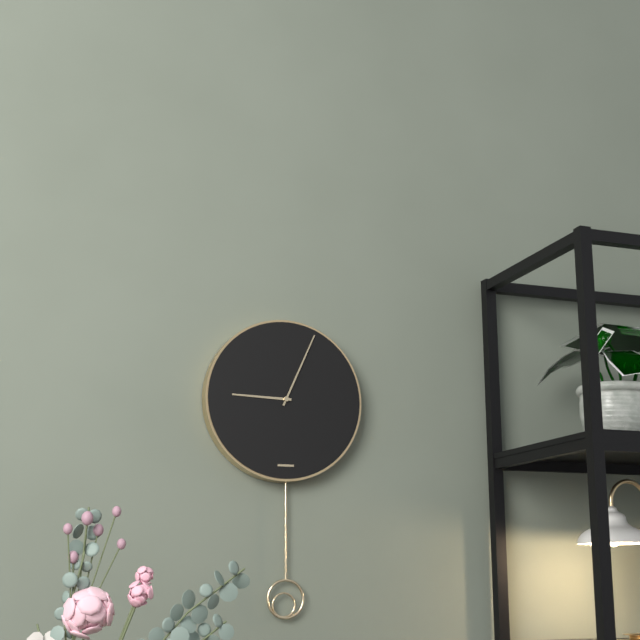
9:04
